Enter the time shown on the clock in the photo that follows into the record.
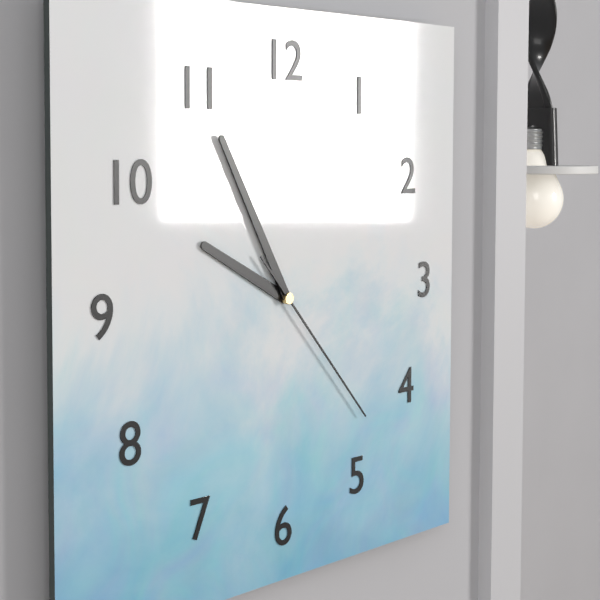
9:55:23
